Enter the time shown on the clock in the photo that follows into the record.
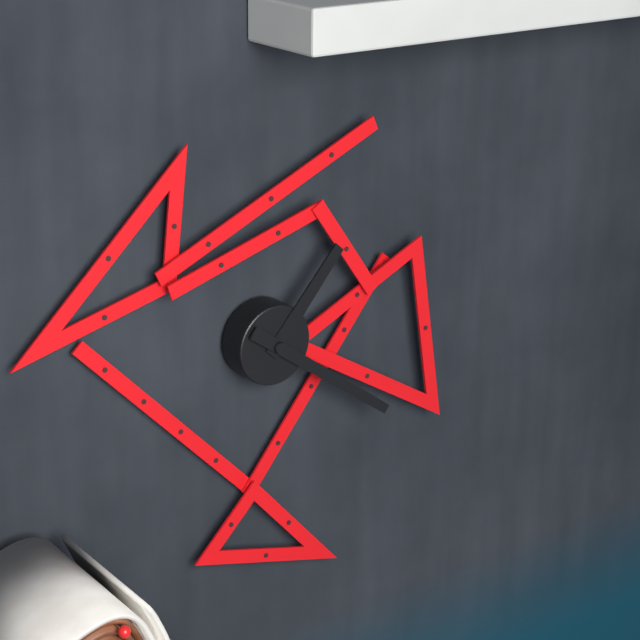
1:21
